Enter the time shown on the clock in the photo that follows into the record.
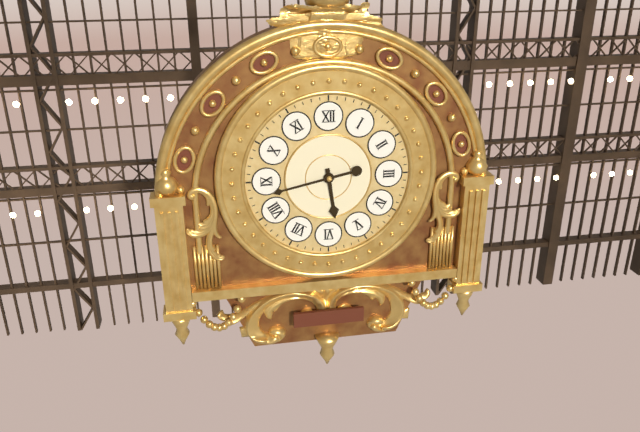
5:43
